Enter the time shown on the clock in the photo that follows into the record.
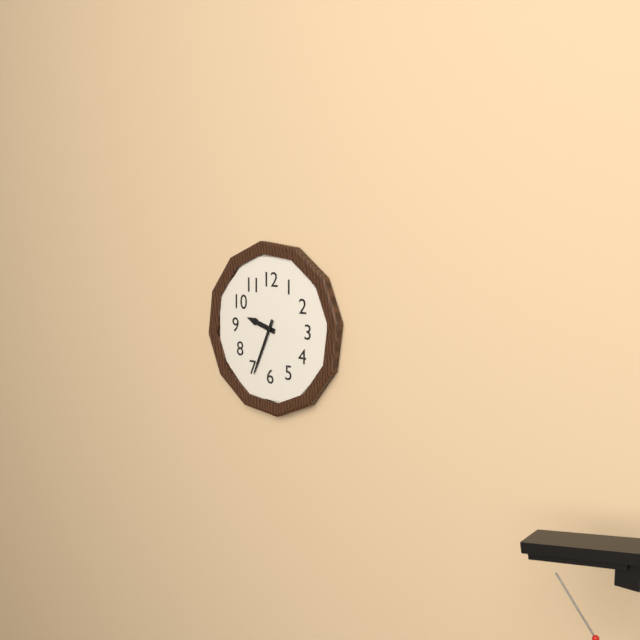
9:34
